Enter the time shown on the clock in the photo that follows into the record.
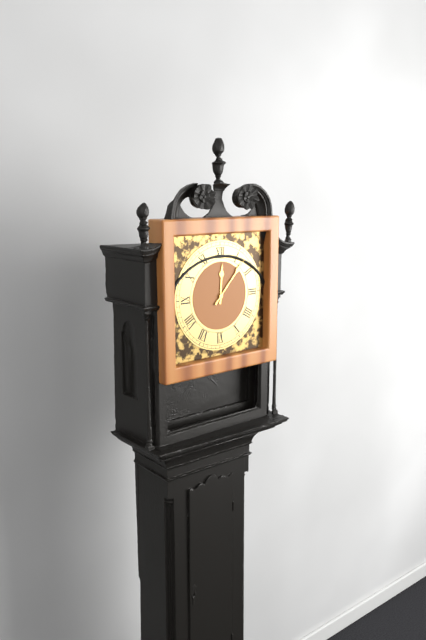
12:07
